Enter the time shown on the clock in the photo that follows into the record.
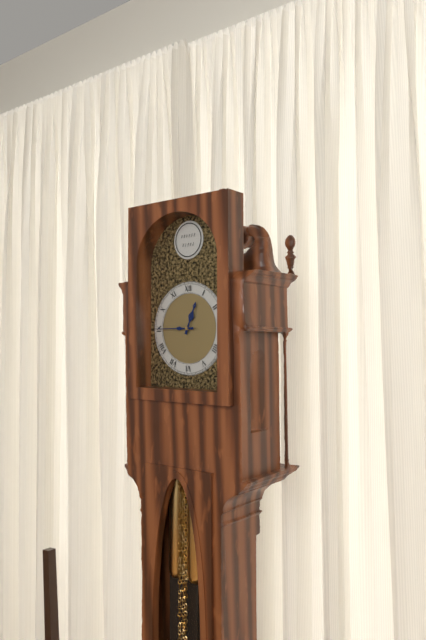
12:45
